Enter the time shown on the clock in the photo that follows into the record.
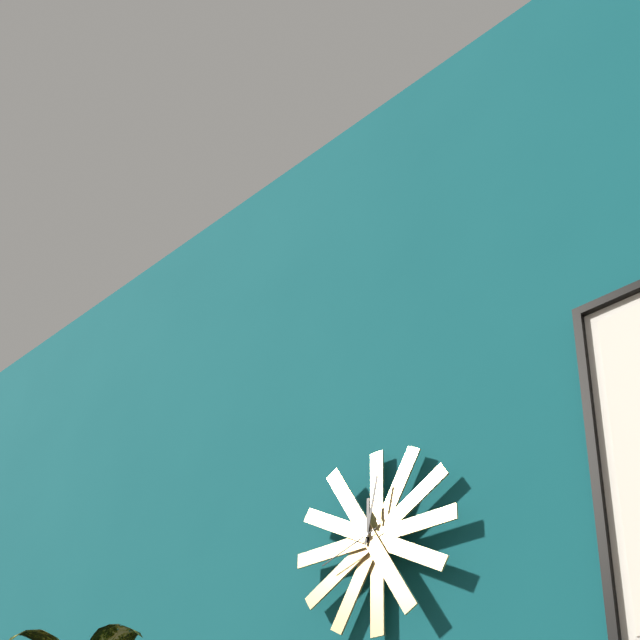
12:02:42
